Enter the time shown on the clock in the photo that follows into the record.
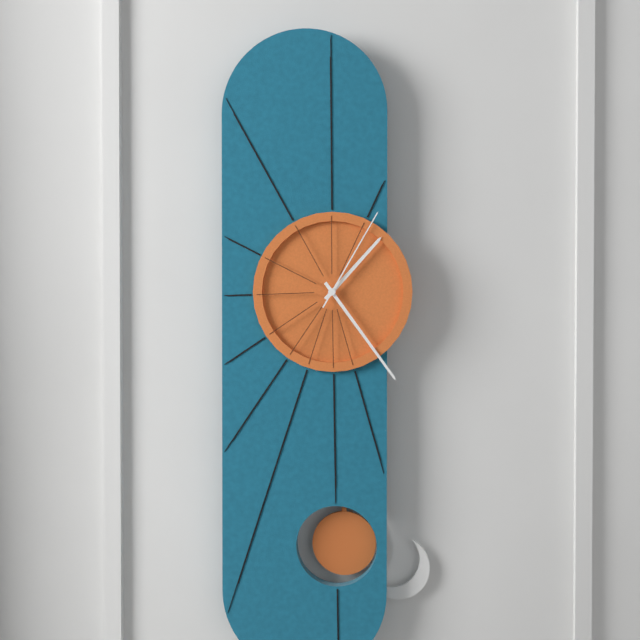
1:24:05
